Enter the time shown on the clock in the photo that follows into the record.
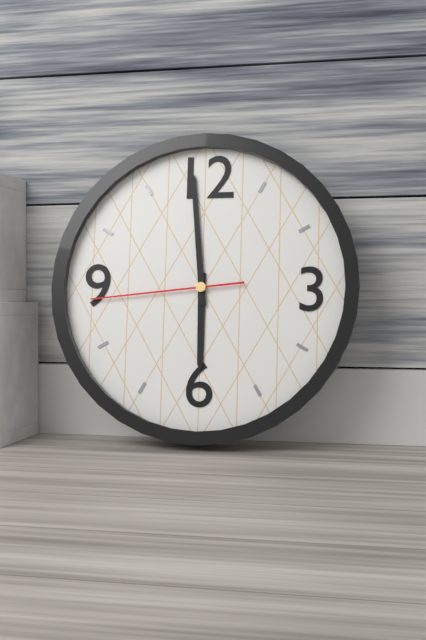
5:59:44
